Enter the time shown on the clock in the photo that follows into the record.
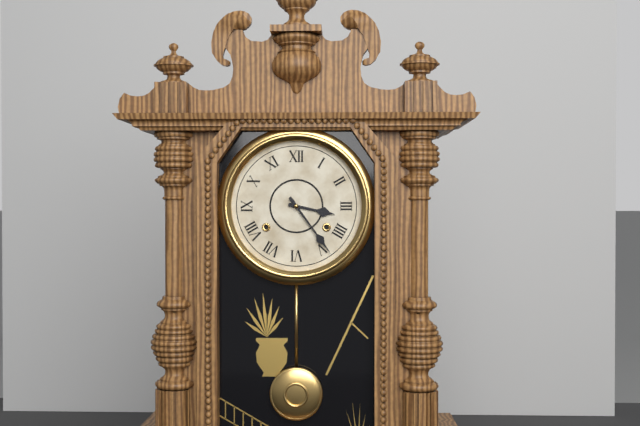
3:24
